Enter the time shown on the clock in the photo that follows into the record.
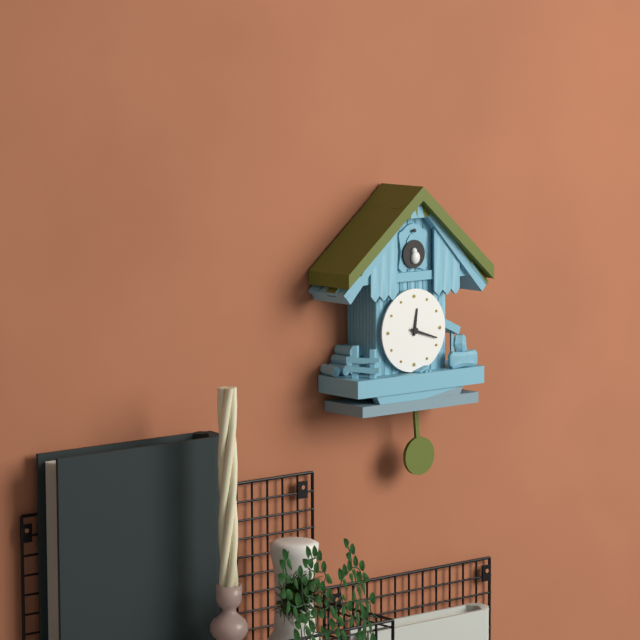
12:18
